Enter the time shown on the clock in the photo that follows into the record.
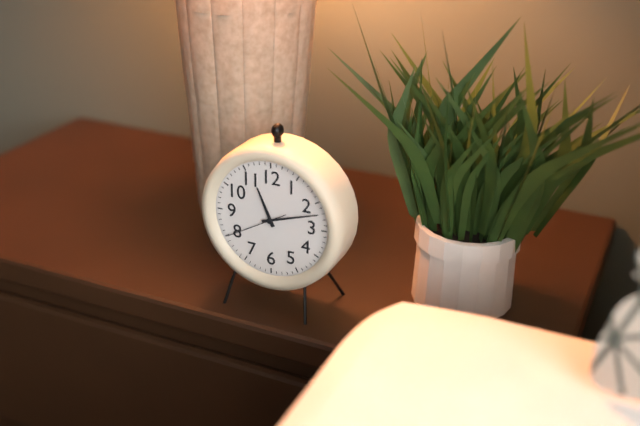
11:12:40
